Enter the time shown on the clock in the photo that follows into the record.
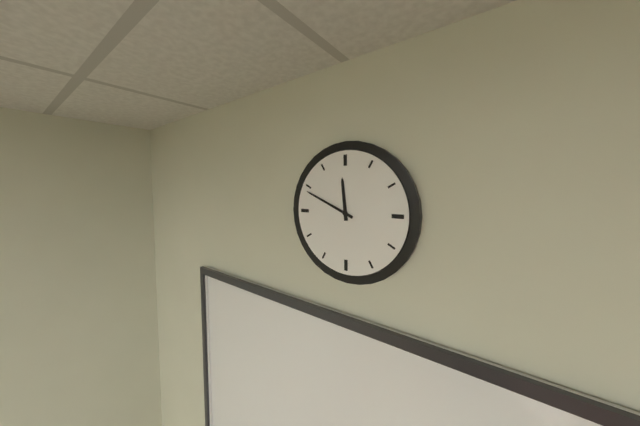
11:49
